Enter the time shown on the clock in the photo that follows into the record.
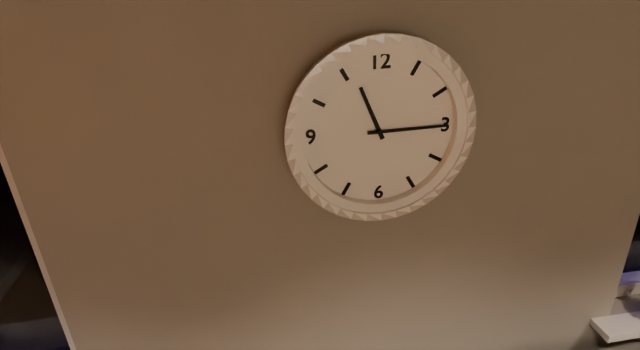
11:15
